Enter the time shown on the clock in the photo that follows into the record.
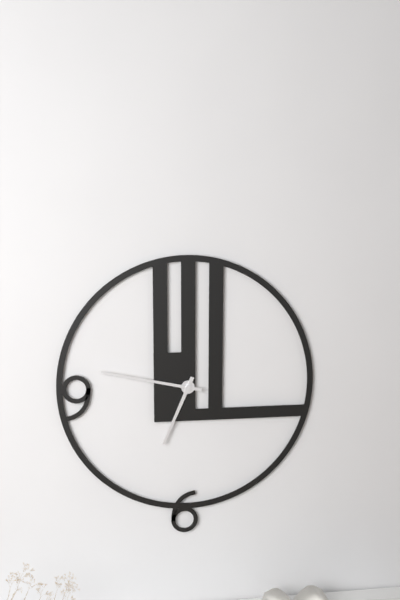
6:47
